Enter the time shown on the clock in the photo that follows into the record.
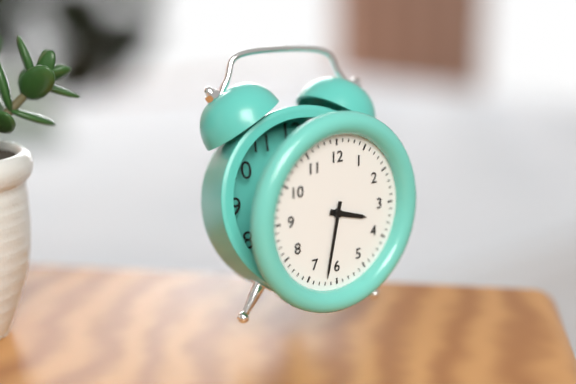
3:32
